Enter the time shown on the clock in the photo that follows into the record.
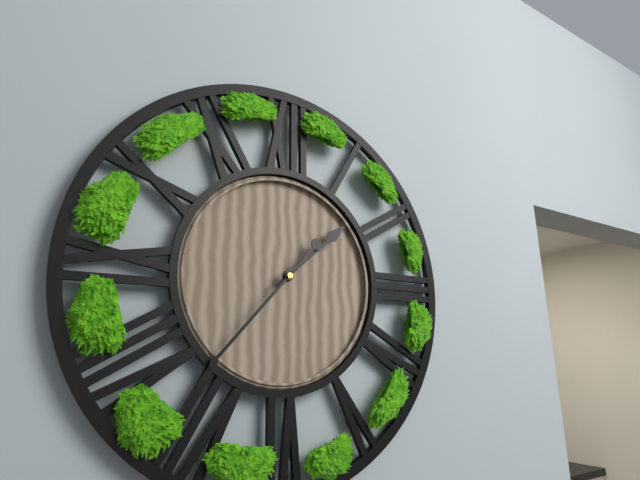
1:37
